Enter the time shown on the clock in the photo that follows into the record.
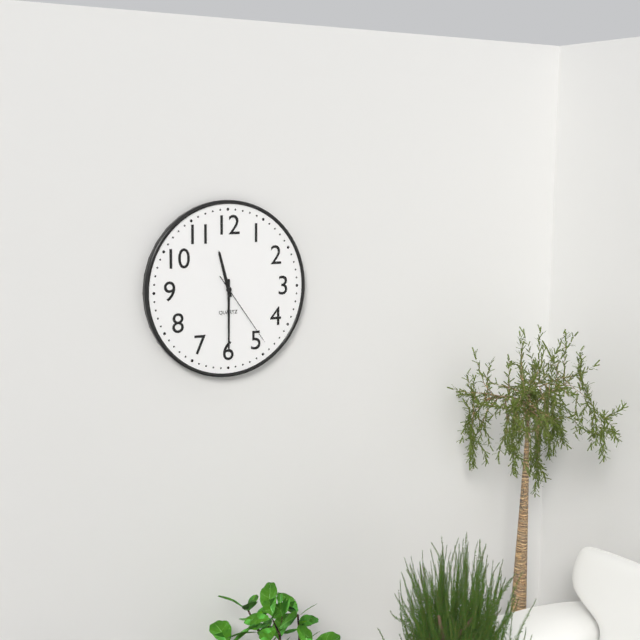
11:30:24
